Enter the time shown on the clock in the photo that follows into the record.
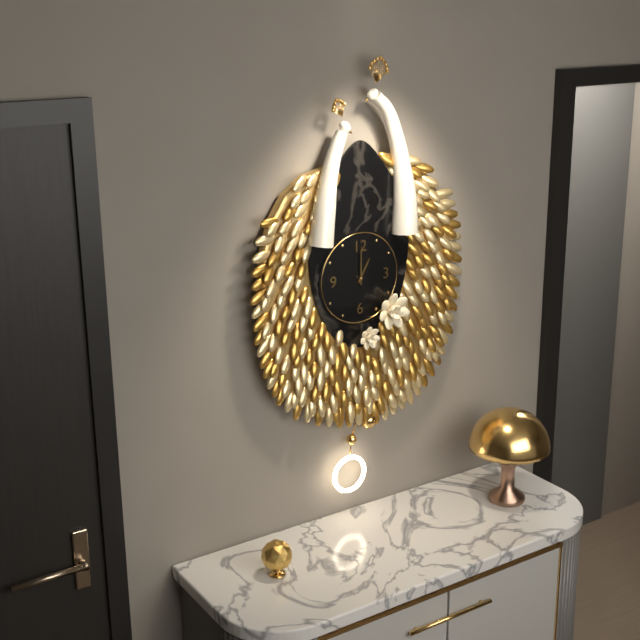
1:00
